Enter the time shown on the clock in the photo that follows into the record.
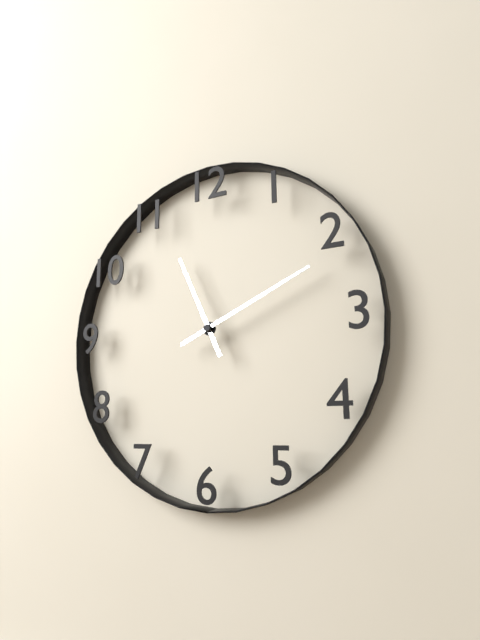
11:11
